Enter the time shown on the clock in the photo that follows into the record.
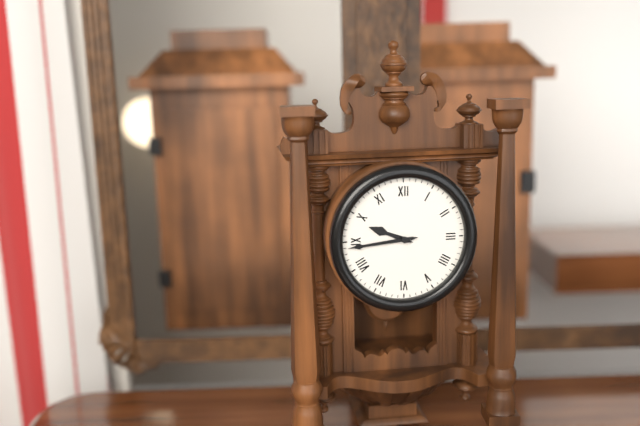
9:44
